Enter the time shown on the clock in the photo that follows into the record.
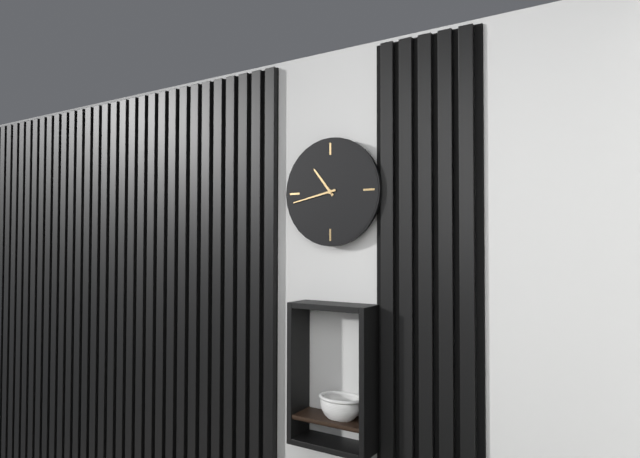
10:43
